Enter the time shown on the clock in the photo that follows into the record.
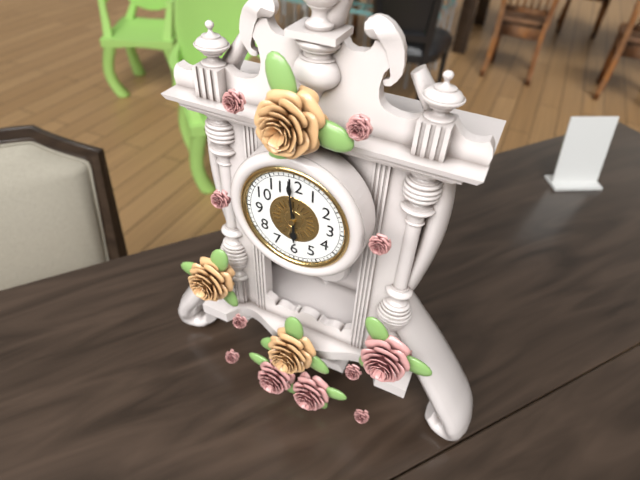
5:59
